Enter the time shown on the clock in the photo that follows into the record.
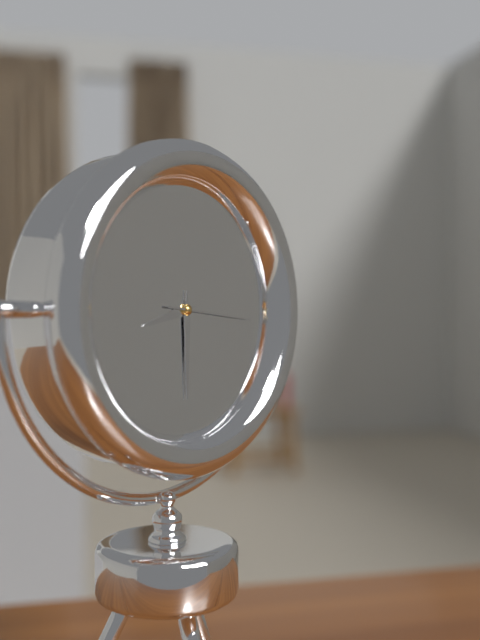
8:30:16
